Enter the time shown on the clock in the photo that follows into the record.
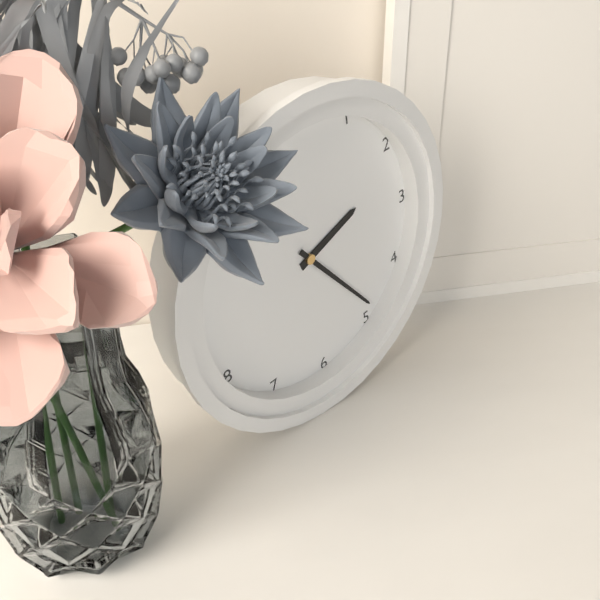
2:24
